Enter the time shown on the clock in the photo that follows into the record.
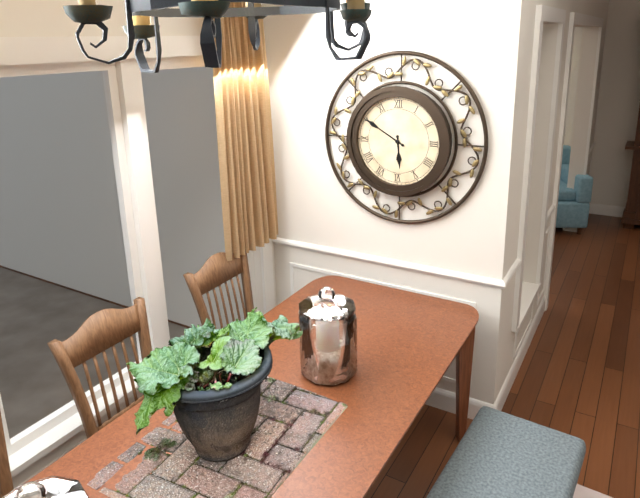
5:50
